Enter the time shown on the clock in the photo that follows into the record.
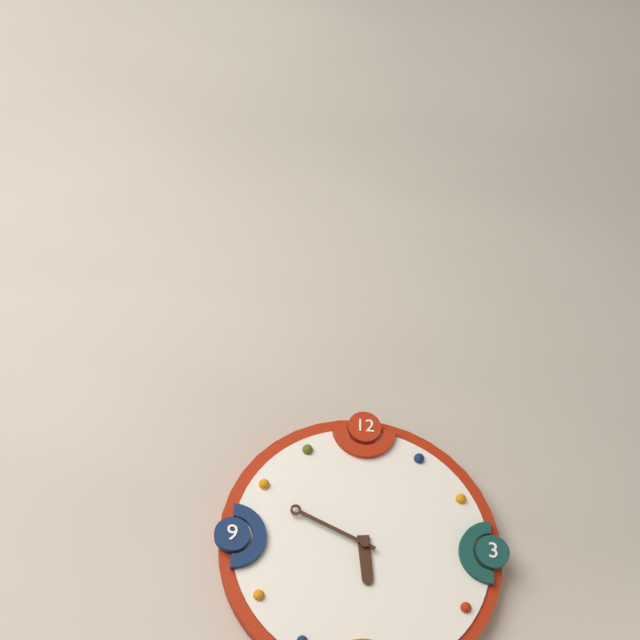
5:49
